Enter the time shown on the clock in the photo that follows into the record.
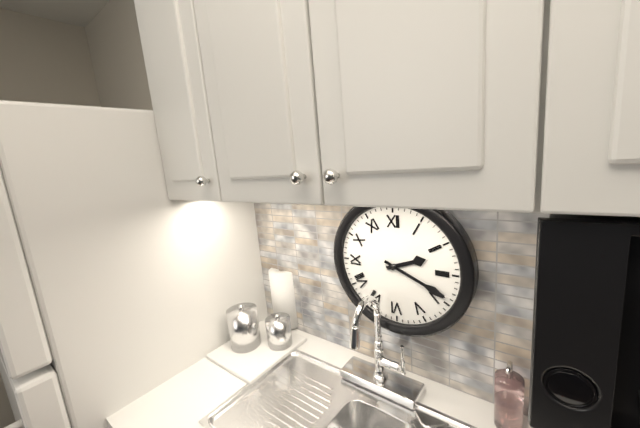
2:19
